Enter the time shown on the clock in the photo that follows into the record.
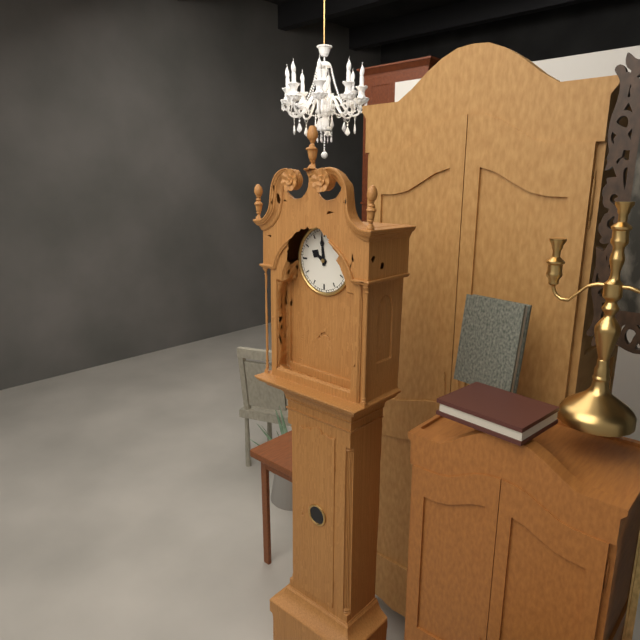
9:59
